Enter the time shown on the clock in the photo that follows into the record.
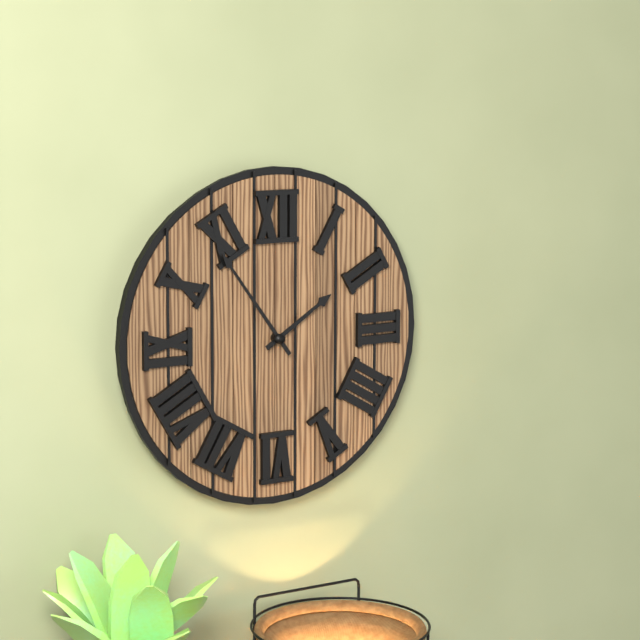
1:54
